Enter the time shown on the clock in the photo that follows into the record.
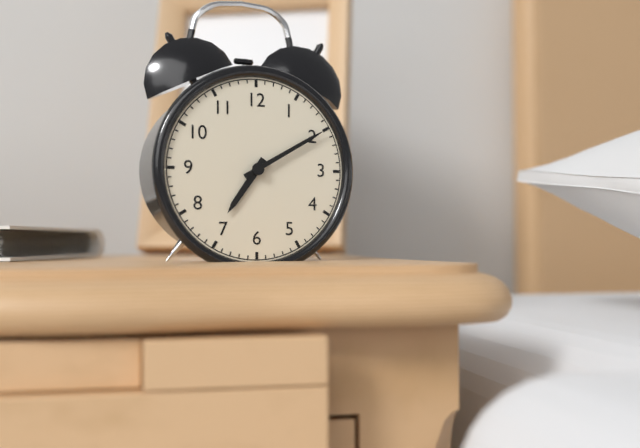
7:10
